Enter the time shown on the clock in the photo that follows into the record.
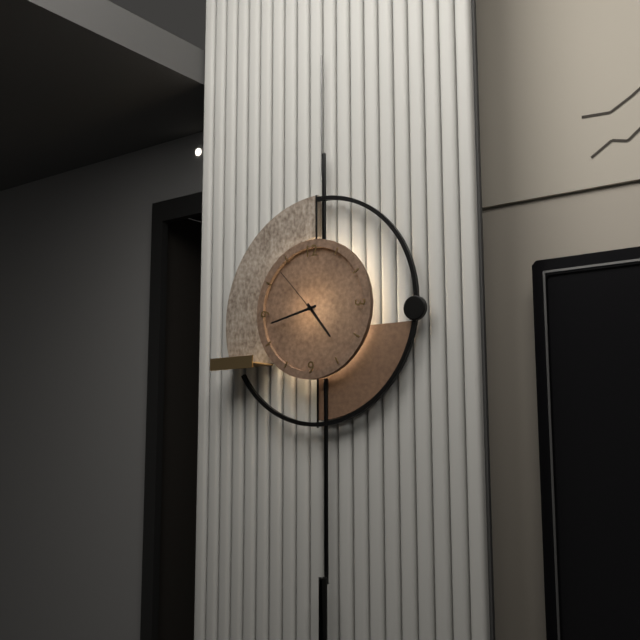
4:43:53
